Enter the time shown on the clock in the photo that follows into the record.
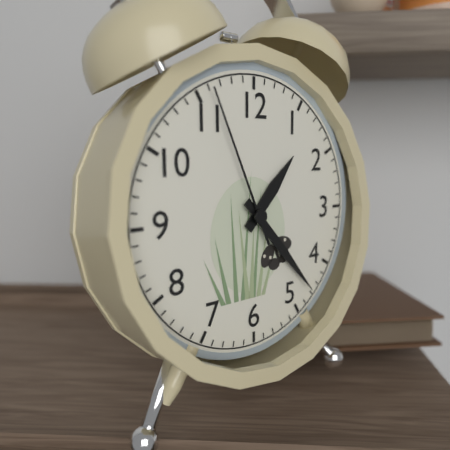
1:23:56
